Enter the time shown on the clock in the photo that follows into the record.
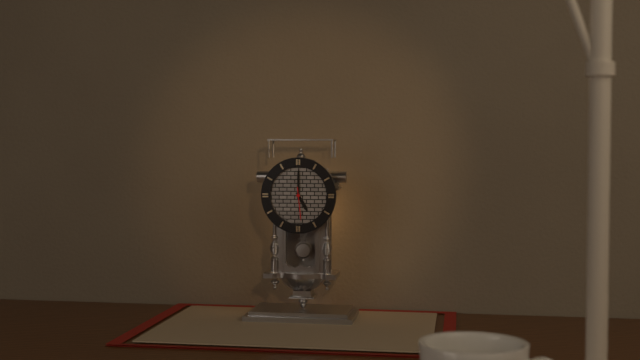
5:00
